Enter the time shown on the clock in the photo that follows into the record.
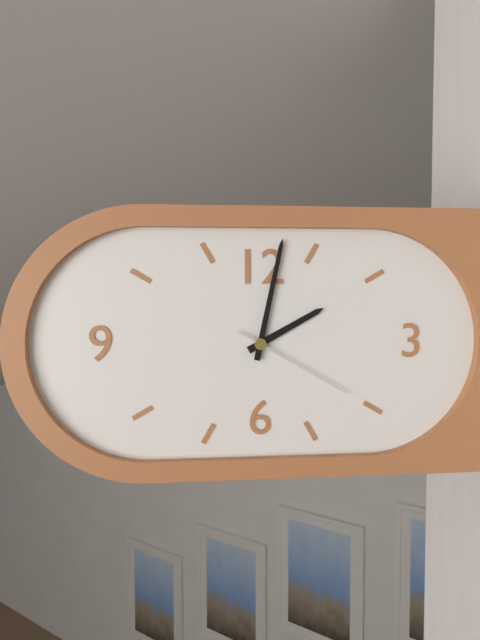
2:02:20
